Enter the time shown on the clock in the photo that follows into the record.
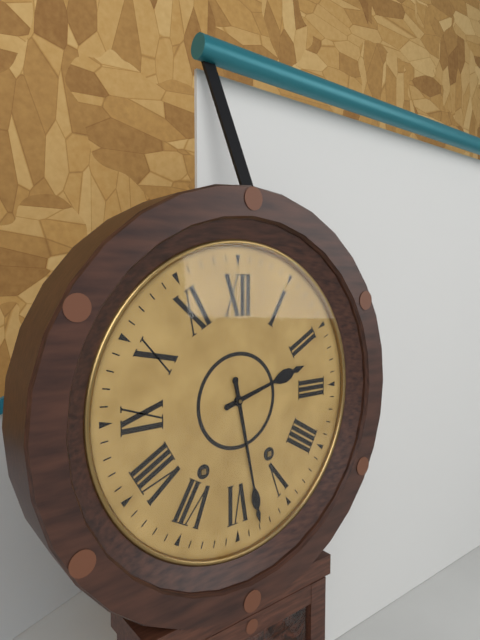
2:28
